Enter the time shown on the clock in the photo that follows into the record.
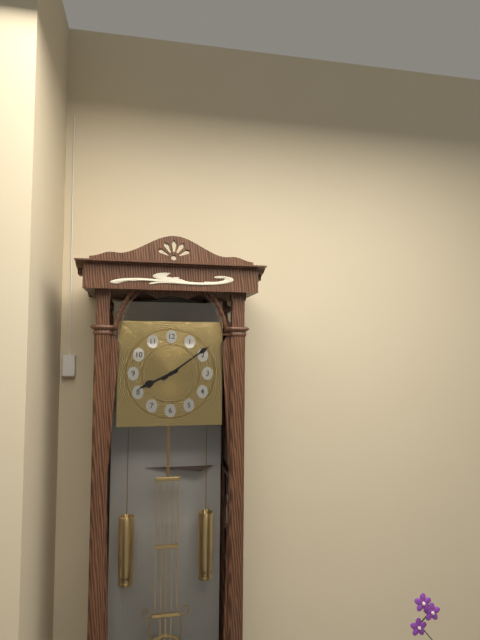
8:09
